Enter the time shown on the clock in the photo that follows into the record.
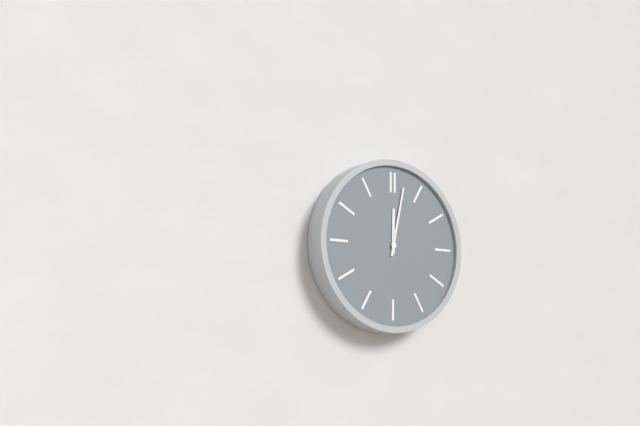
12:02
